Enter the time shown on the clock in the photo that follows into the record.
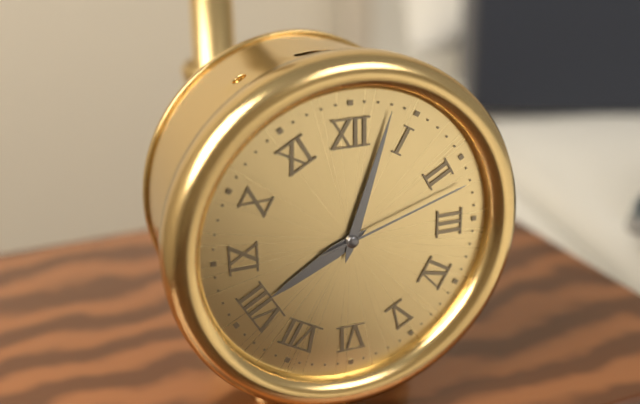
8:03:12
